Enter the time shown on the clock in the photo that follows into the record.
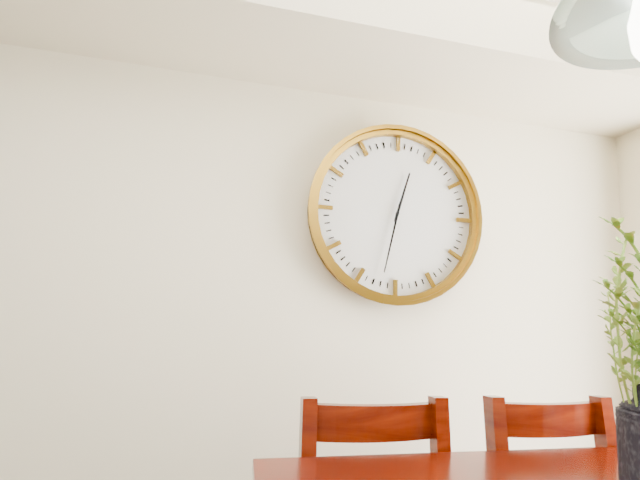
12:32
